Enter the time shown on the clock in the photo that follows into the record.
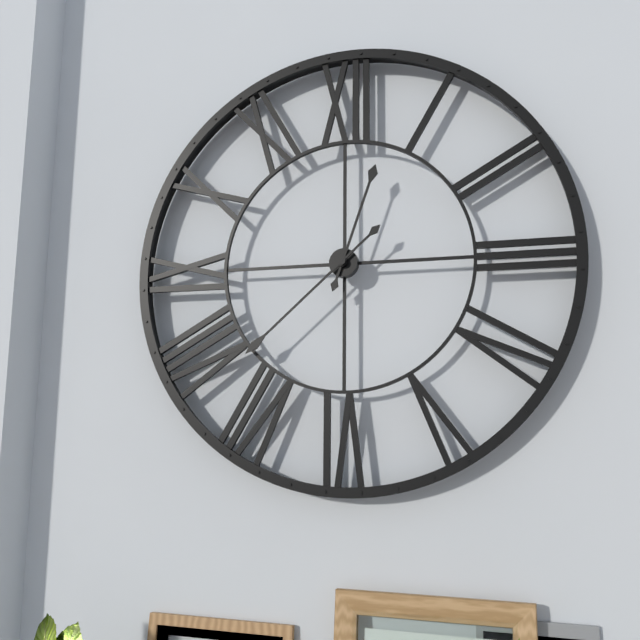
12:38
